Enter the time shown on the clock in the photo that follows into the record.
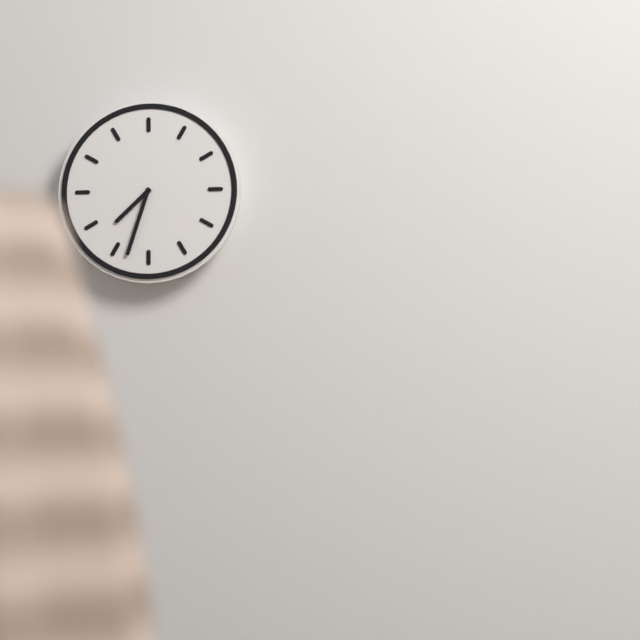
7:33
